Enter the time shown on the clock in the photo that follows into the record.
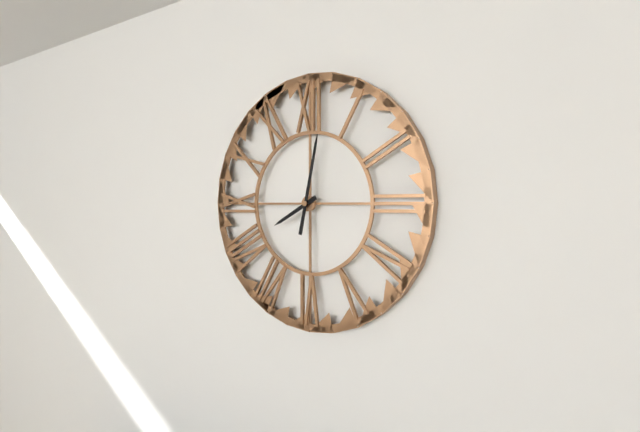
8:02
